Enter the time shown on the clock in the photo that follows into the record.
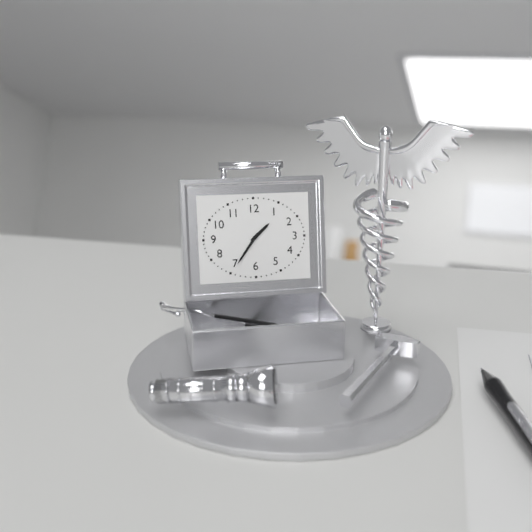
1:36
